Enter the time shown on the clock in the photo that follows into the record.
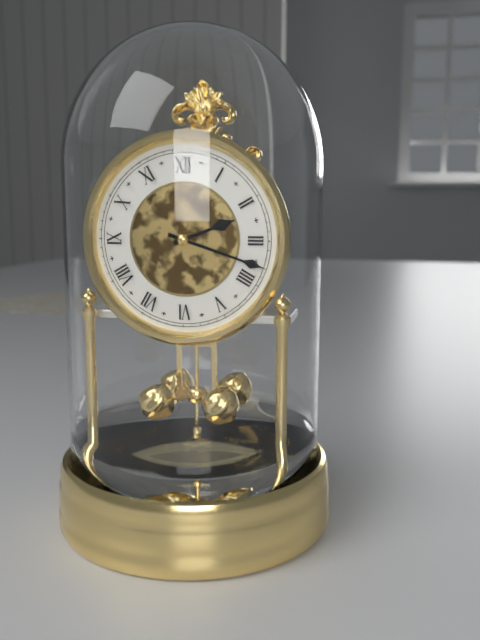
2:18
